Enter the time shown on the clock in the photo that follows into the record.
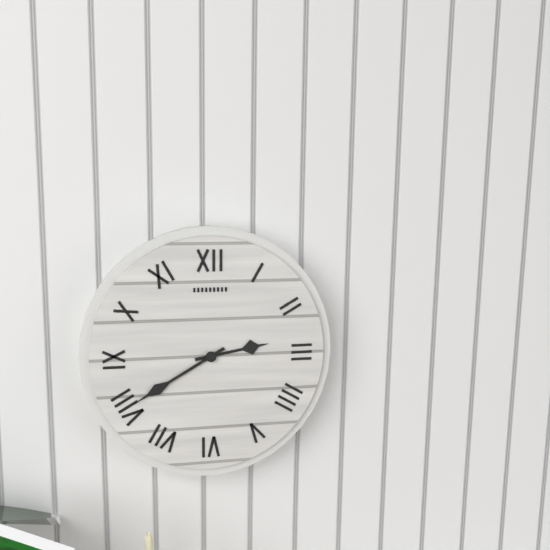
2:40
